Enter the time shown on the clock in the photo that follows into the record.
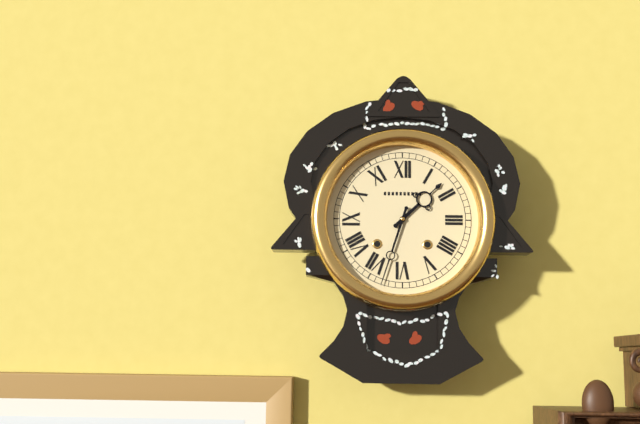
1:33
